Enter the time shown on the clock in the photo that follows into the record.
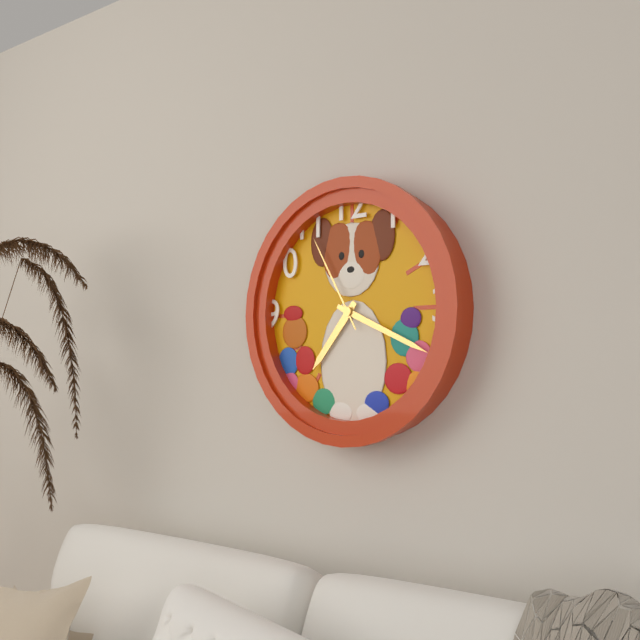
7:19:55
